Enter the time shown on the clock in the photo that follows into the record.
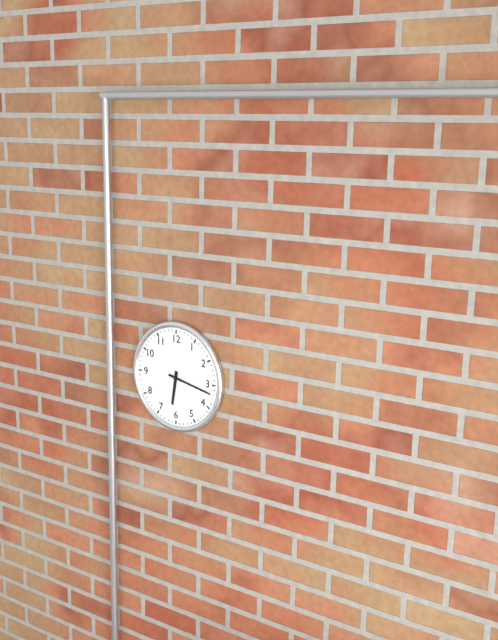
6:17
